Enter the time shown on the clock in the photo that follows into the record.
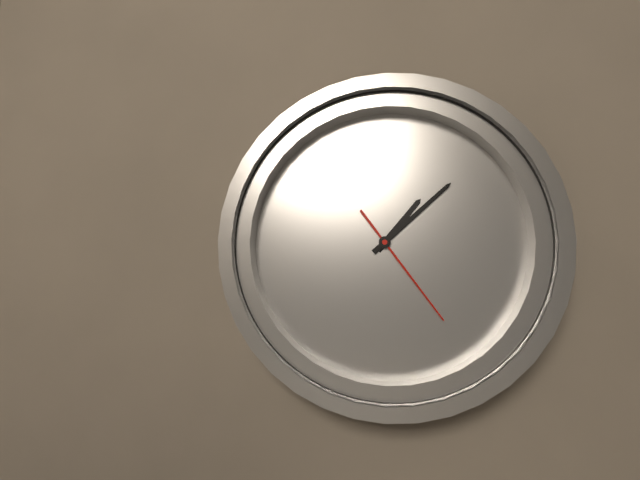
1:07:23
